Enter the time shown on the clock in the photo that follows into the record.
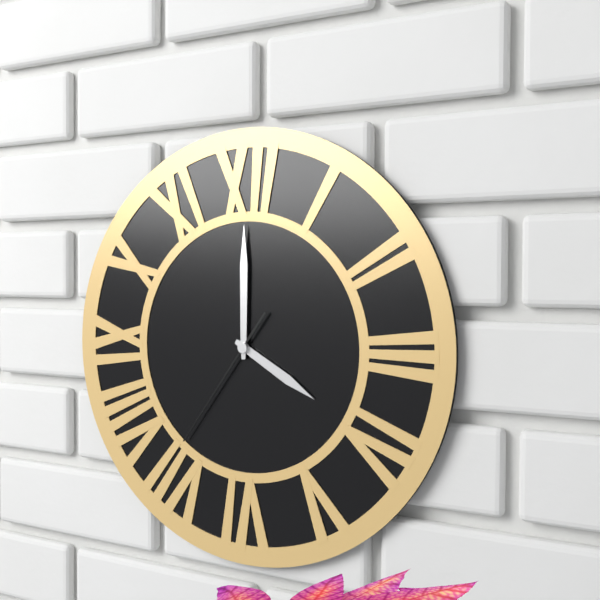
4:00:36
